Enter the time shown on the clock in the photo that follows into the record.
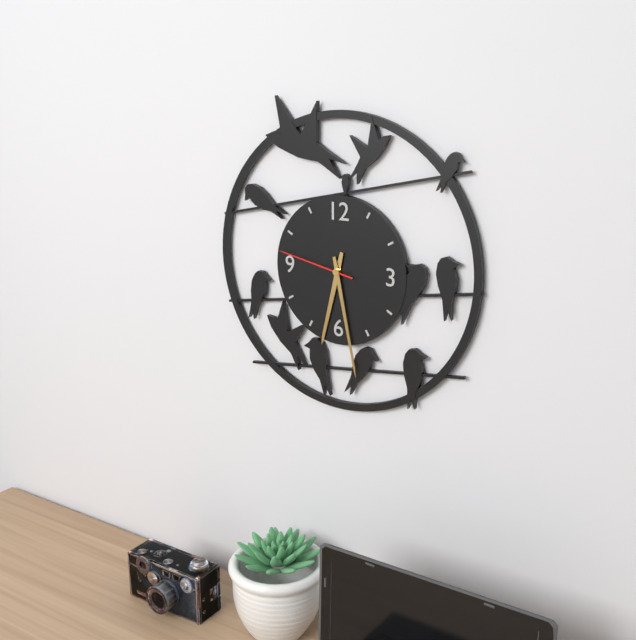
6:28:47
